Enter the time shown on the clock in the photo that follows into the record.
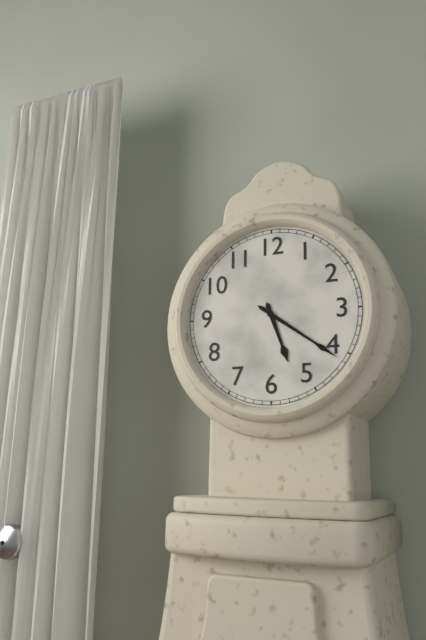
5:21
